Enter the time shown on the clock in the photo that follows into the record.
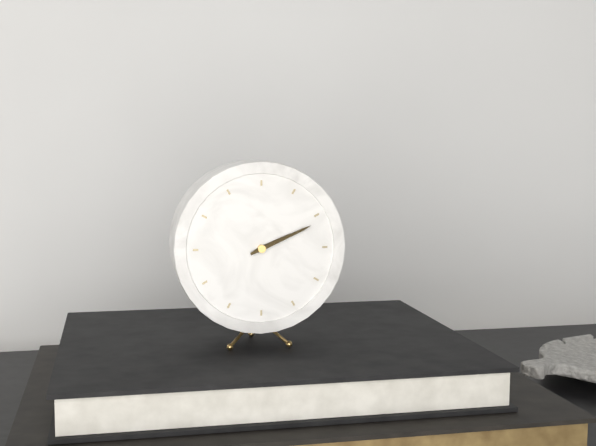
2:11
